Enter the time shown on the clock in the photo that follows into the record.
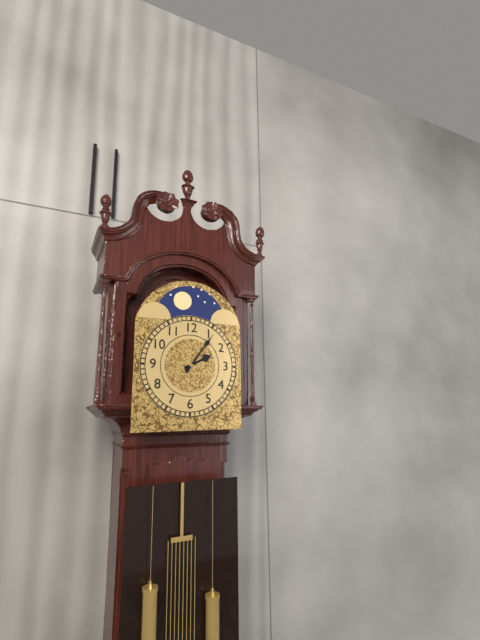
2:06
